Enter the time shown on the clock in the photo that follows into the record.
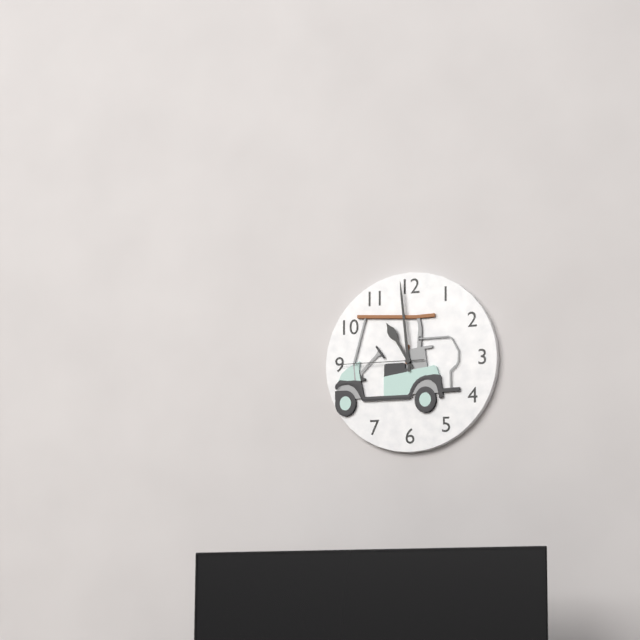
10:59:45
